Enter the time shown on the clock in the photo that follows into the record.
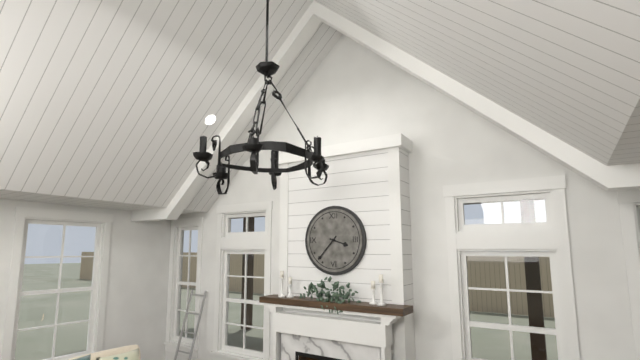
3:37
